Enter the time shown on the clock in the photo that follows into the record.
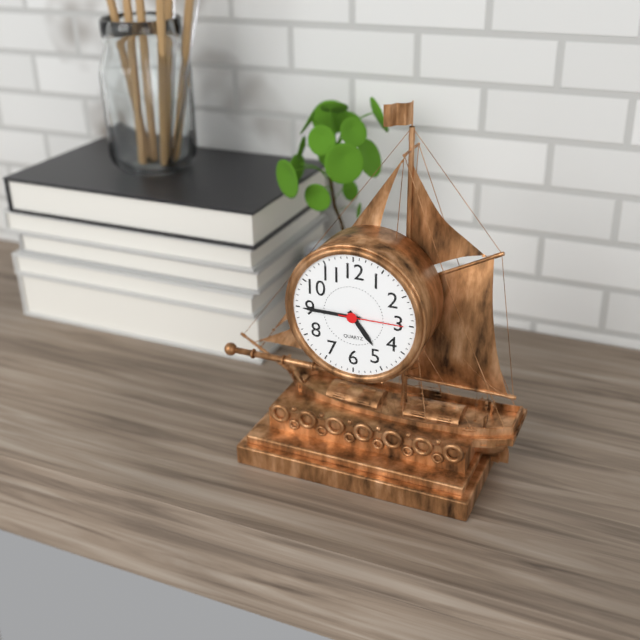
4:45:15
